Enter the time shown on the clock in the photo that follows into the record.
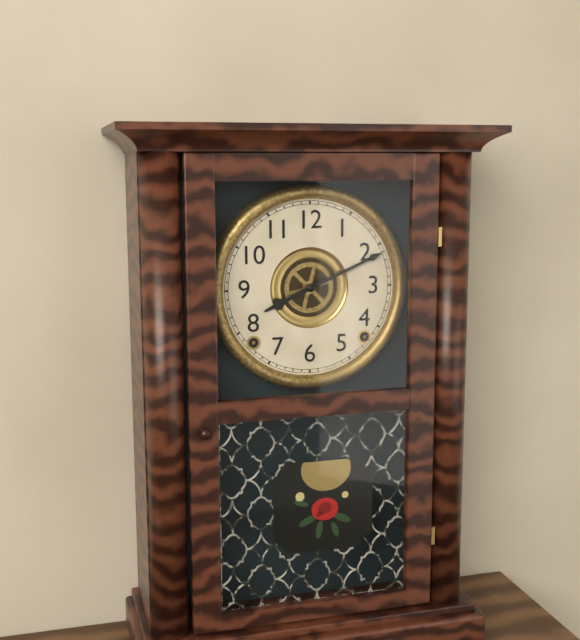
8:11
